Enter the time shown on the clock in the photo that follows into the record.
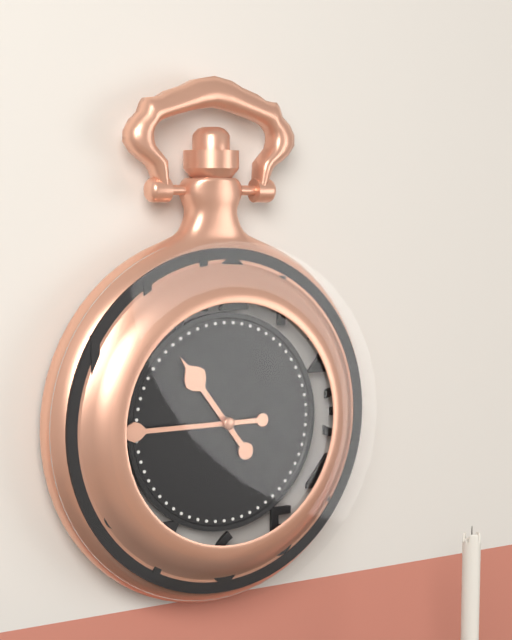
10:45
